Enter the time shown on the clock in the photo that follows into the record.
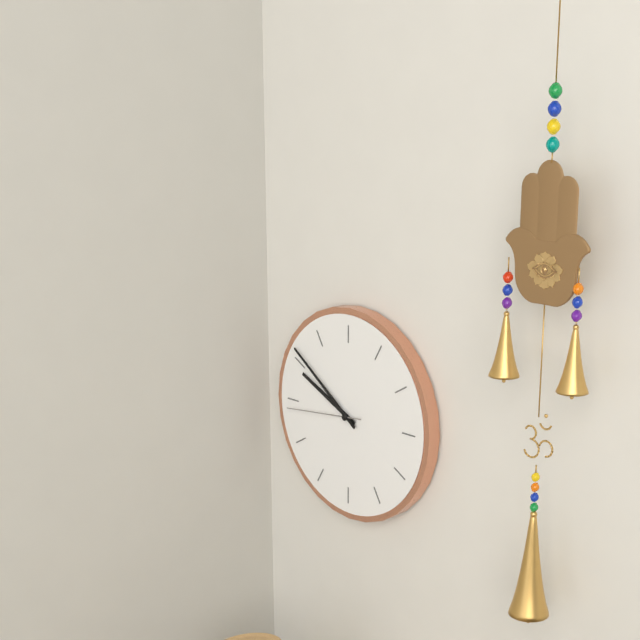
9:51:44
